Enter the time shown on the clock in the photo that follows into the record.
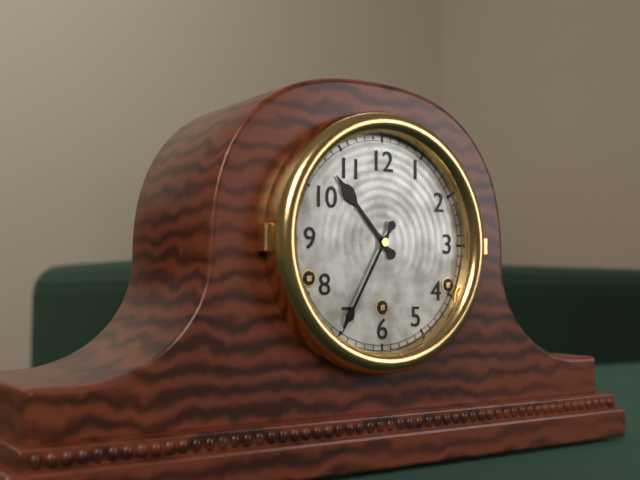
10:35
